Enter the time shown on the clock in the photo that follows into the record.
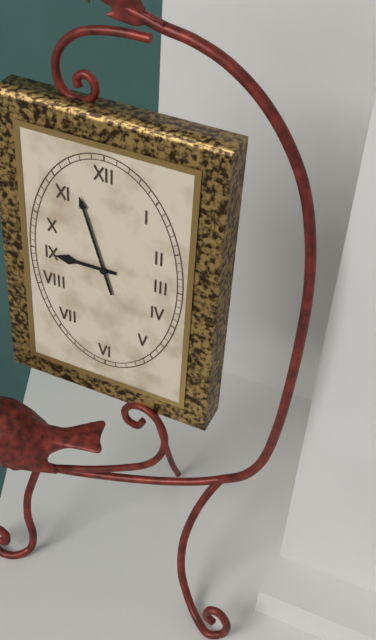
8:57
